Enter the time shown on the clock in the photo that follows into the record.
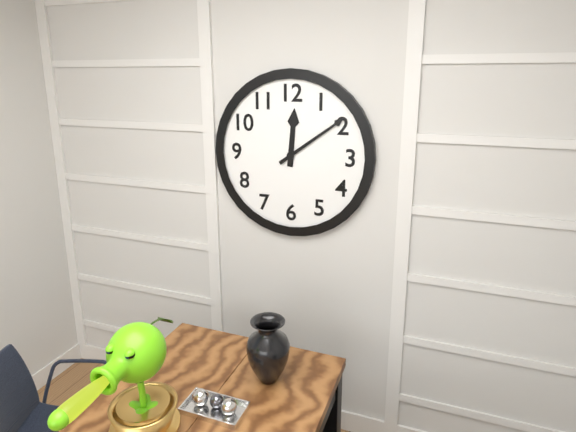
12:09
